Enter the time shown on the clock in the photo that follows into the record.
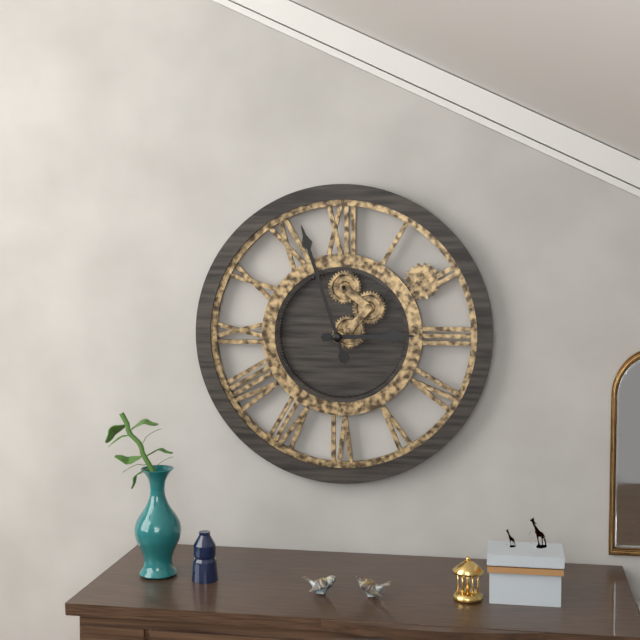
2:57
